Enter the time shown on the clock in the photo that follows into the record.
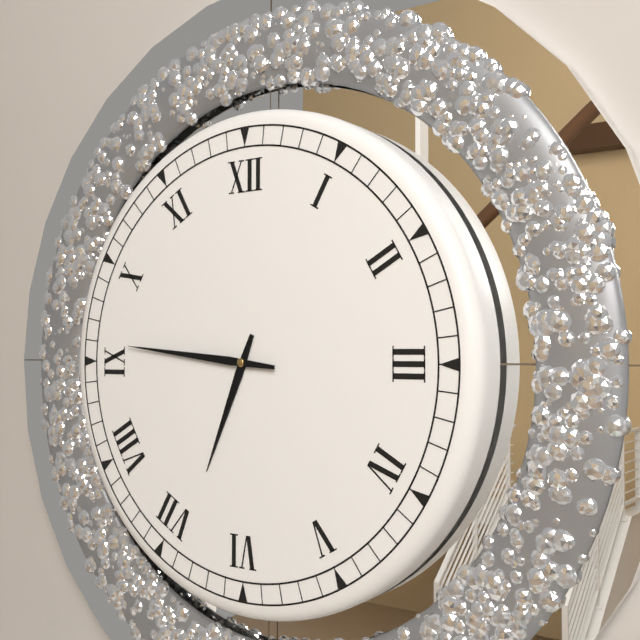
6:46
